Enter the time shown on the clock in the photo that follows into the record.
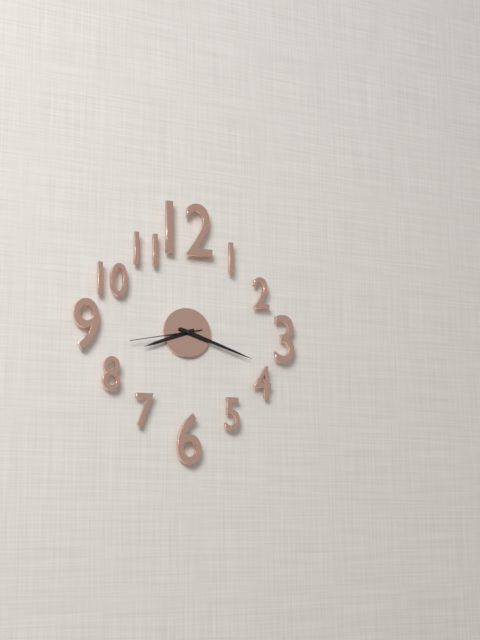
8:18:43
